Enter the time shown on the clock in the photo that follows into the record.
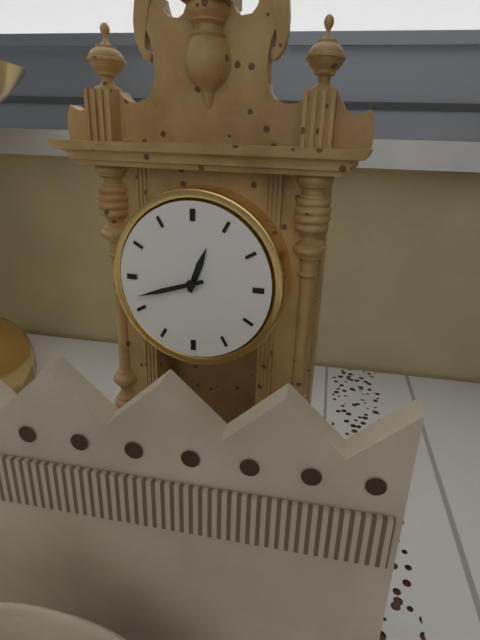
12:42
